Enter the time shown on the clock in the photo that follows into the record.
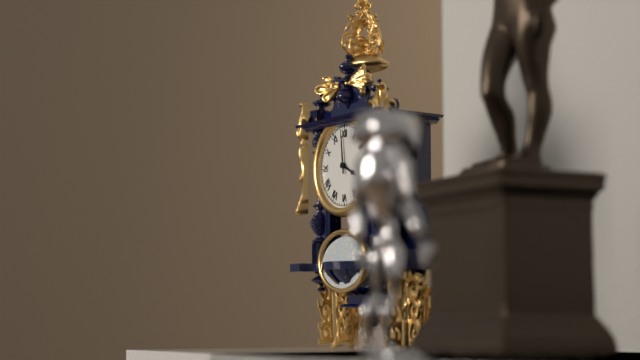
3:59
